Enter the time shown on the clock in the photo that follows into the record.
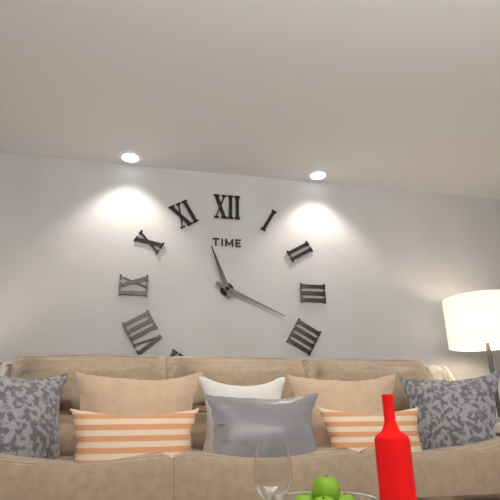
11:19
